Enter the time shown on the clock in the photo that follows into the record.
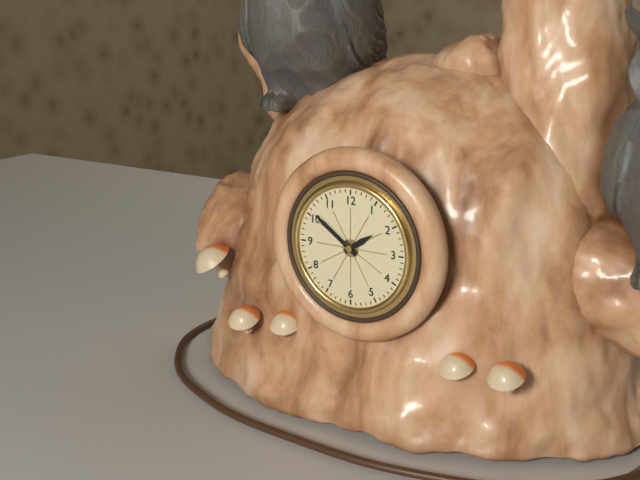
1:51
